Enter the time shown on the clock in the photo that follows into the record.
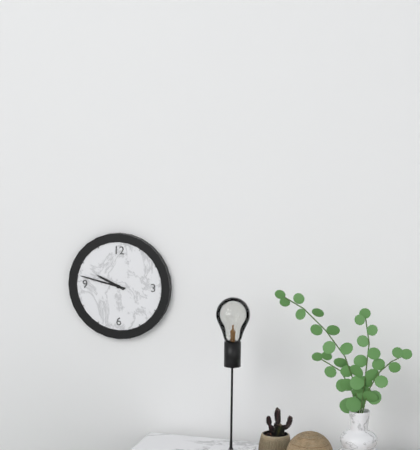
9:47
